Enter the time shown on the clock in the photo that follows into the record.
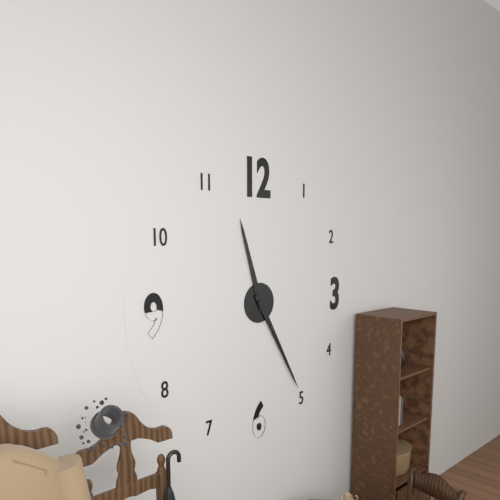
11:25
